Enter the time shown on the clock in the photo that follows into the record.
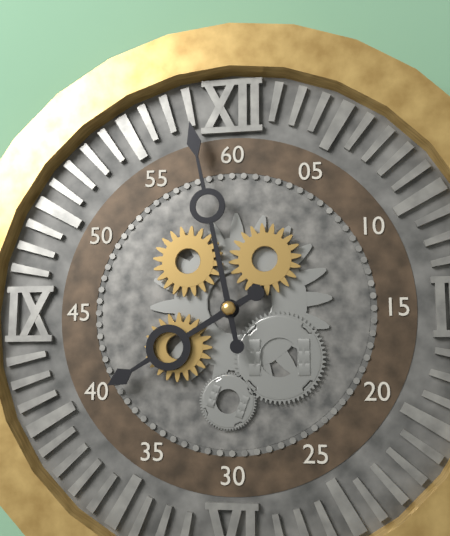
7:58
